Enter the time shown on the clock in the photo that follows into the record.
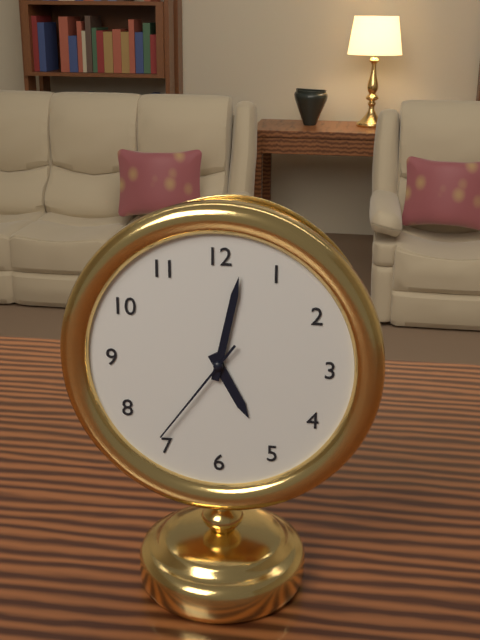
5:02:36
